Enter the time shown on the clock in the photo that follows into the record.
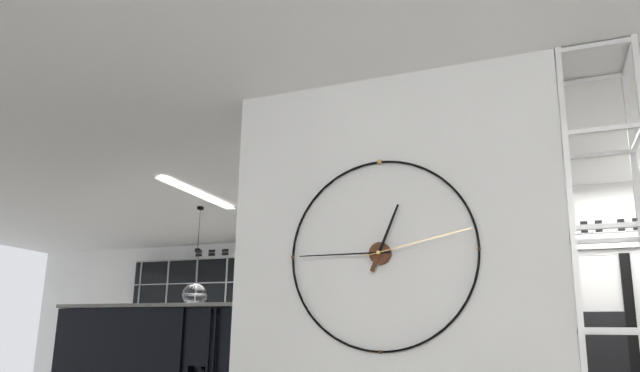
12:45:13
